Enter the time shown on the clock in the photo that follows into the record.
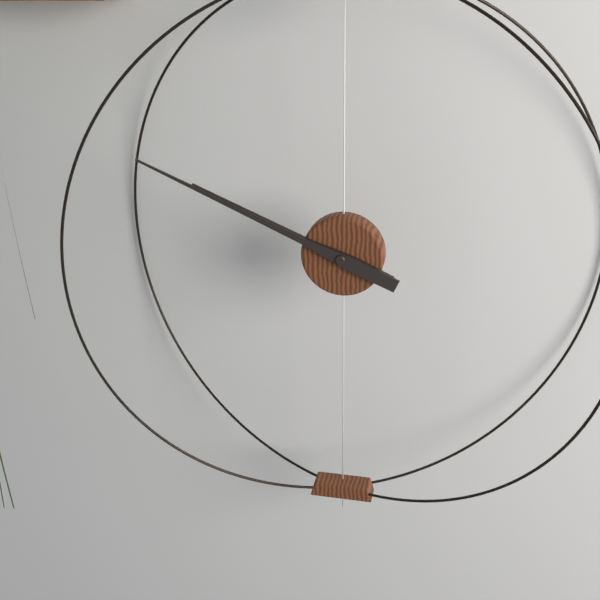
9:49
